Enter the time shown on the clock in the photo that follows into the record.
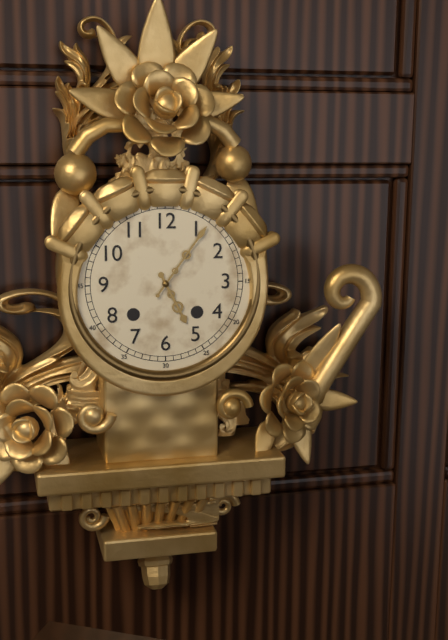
5:06
